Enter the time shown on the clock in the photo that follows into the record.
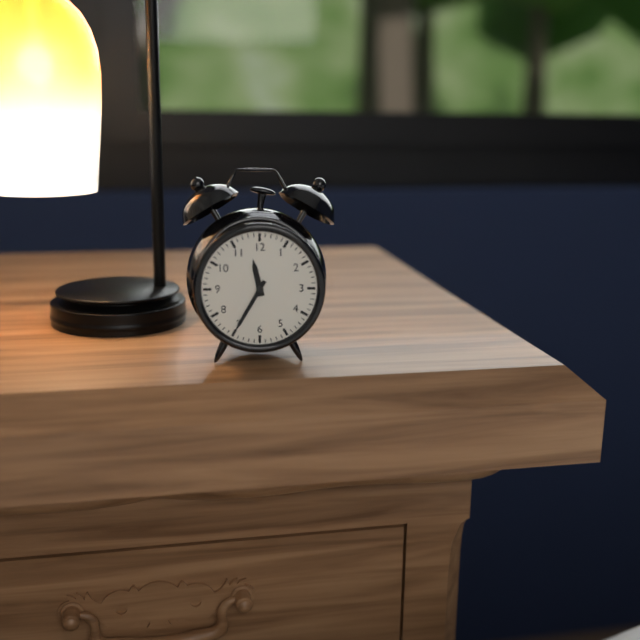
11:35
